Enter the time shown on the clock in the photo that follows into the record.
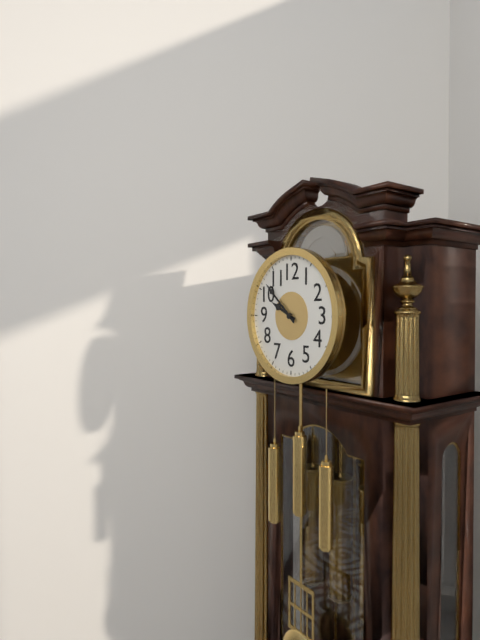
9:52
